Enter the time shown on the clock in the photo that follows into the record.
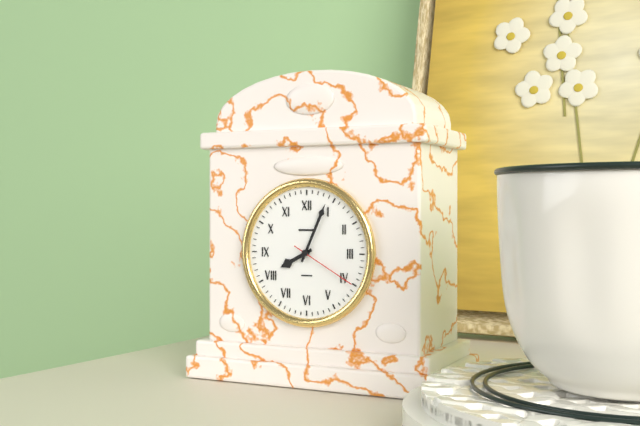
8:04:20
